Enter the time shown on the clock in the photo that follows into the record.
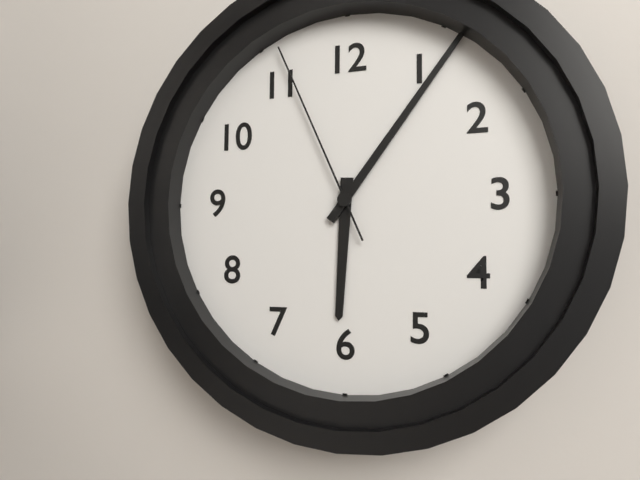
6:06:56
